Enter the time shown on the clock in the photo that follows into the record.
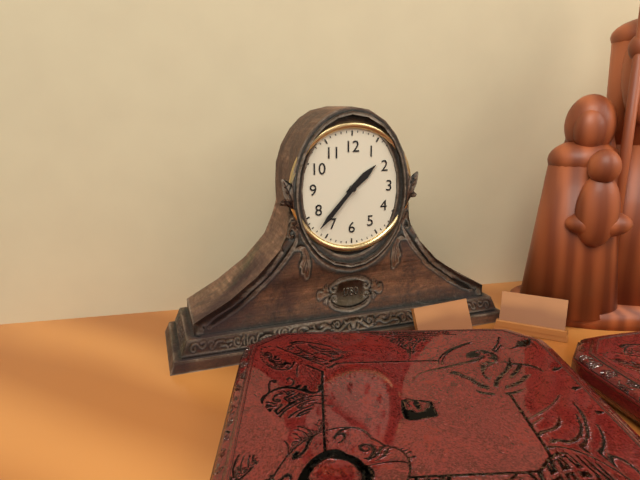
1:37
